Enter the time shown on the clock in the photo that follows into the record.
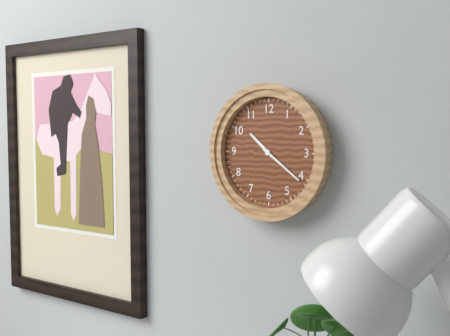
10:21
